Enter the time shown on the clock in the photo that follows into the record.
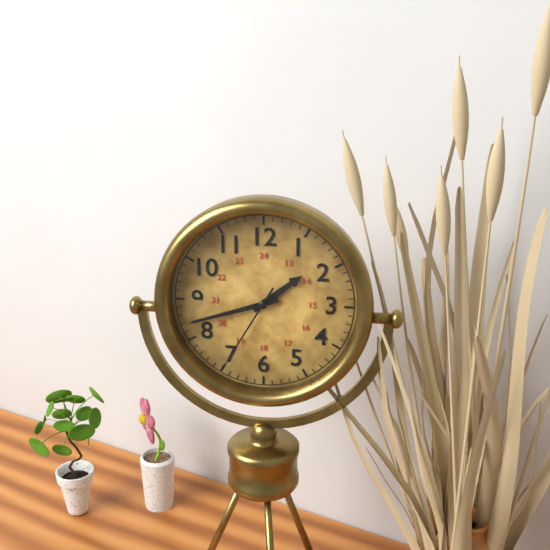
1:42:35
